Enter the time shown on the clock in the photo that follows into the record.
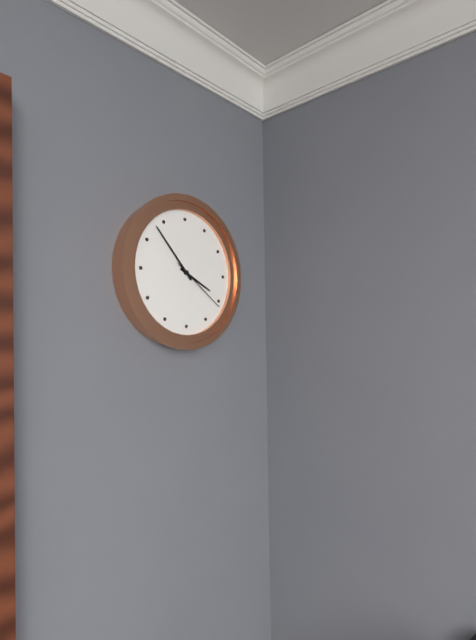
3:53:21
